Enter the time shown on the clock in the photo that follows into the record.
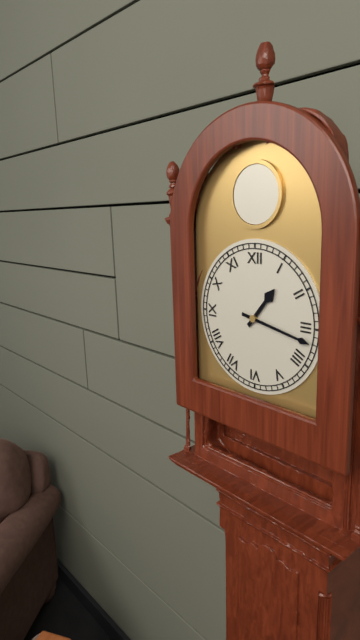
1:17
